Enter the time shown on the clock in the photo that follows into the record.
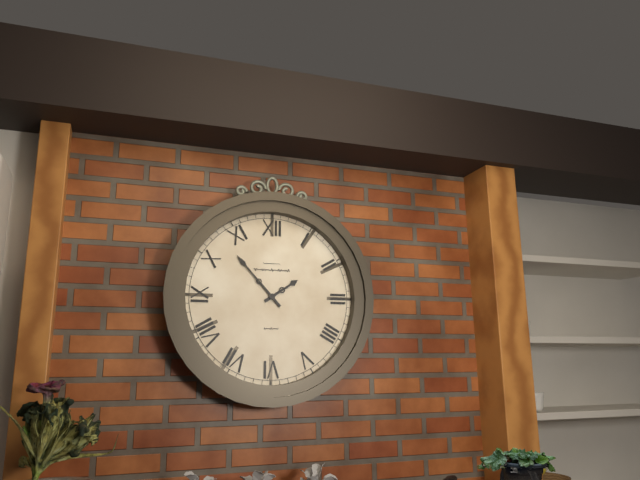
1:53
